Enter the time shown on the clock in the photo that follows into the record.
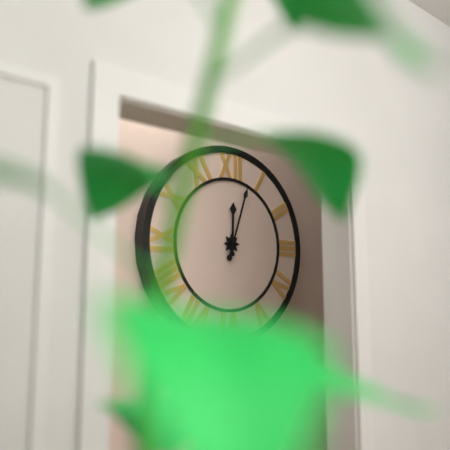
12:03
